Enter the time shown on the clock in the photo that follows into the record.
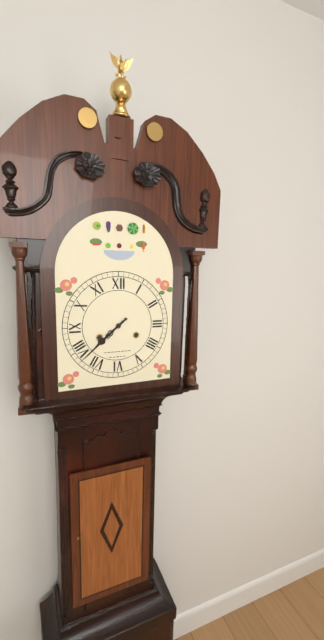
7:38
